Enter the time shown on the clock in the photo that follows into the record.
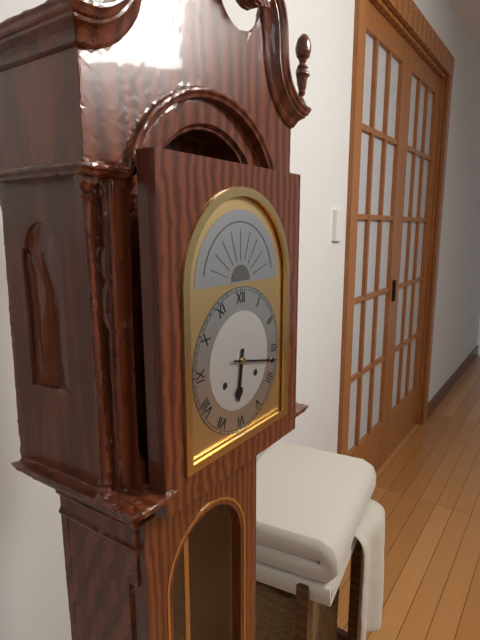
6:17
